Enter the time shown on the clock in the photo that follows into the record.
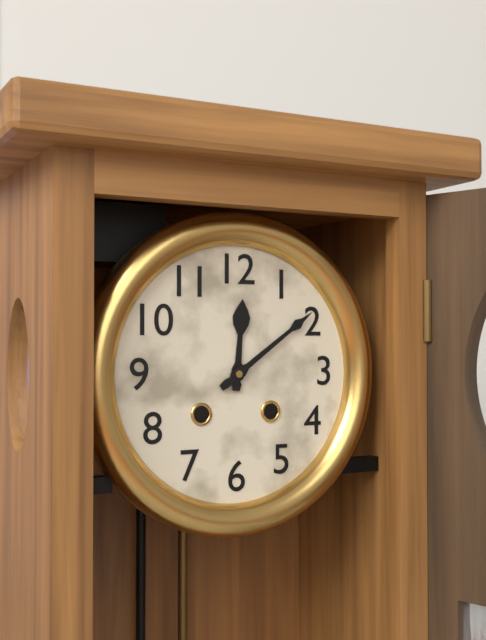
12:09
